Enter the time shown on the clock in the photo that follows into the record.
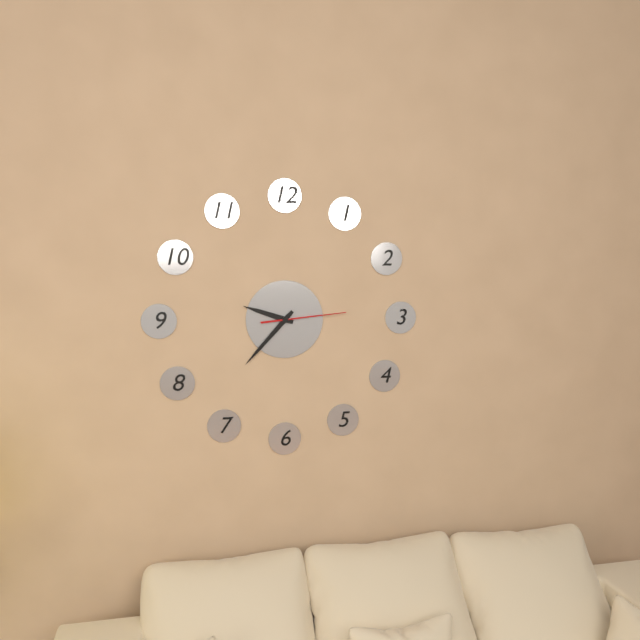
9:37:14
